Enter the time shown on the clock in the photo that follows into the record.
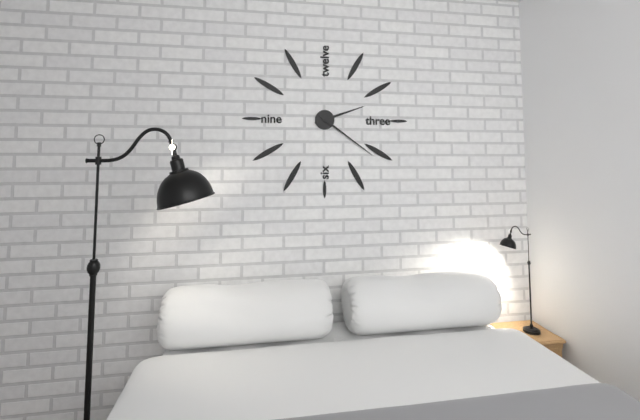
2:21
